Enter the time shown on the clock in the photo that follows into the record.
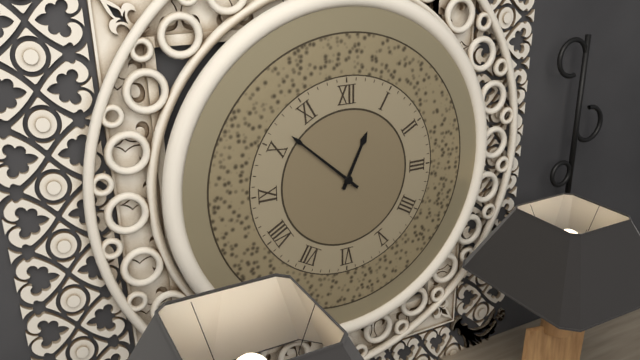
12:52
